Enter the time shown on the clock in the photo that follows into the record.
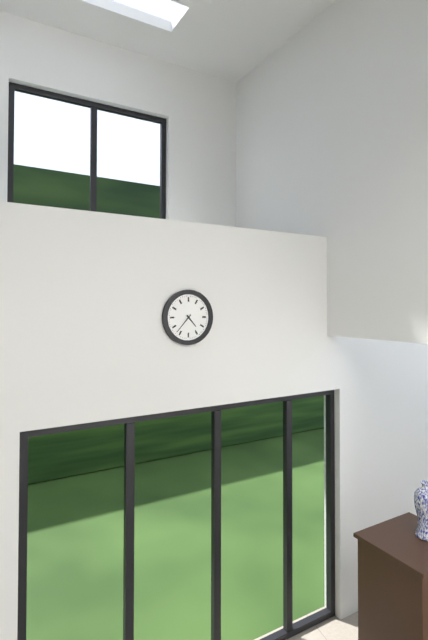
4:37
